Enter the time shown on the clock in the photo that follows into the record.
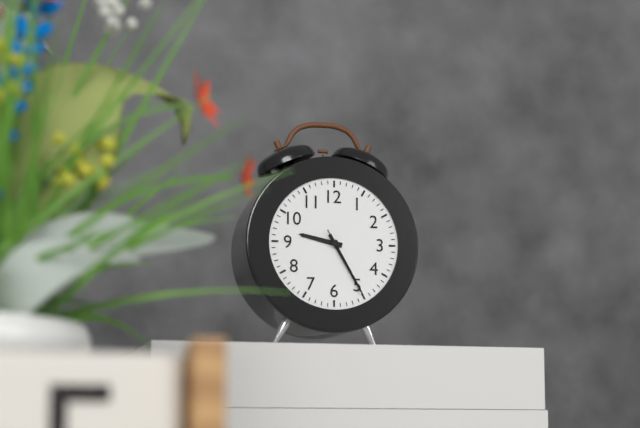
9:25:25
